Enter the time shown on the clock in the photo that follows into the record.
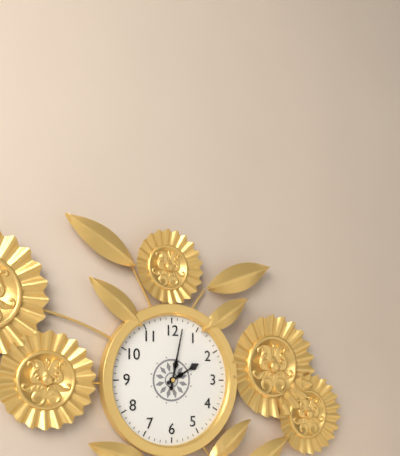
2:02
